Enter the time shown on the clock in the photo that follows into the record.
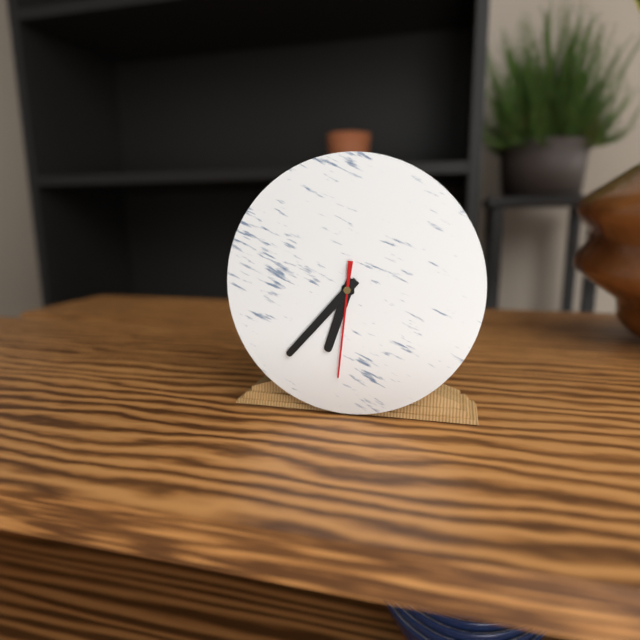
6:37:31
